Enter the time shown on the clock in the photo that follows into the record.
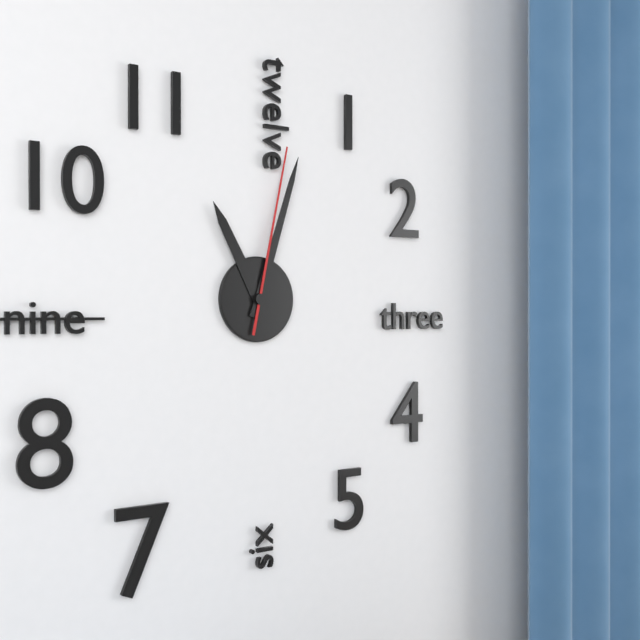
11:03:02
